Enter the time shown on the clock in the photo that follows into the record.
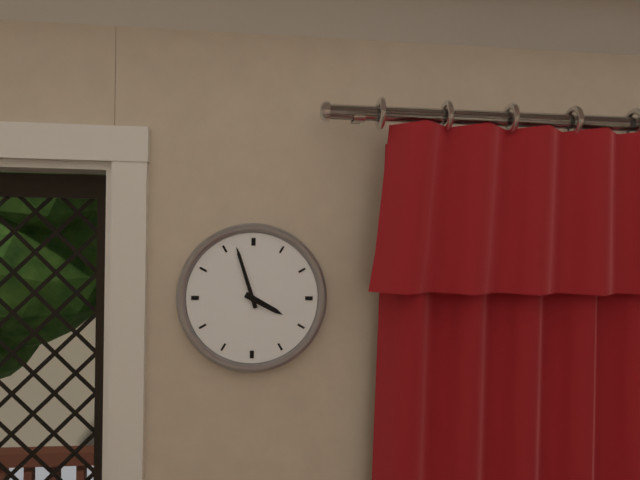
3:57
